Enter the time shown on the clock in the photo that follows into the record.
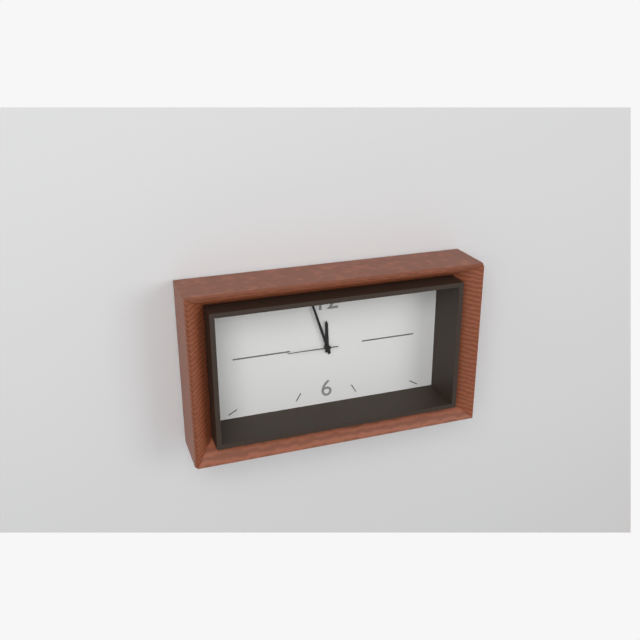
11:57:45
